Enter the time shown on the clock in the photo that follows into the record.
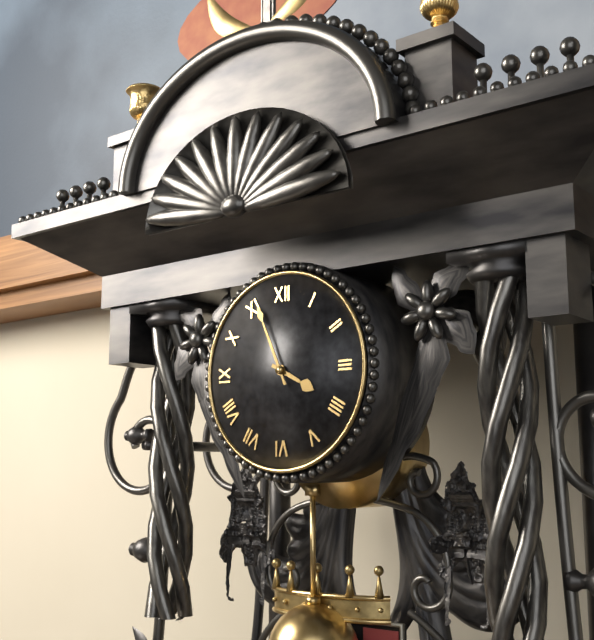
3:56
